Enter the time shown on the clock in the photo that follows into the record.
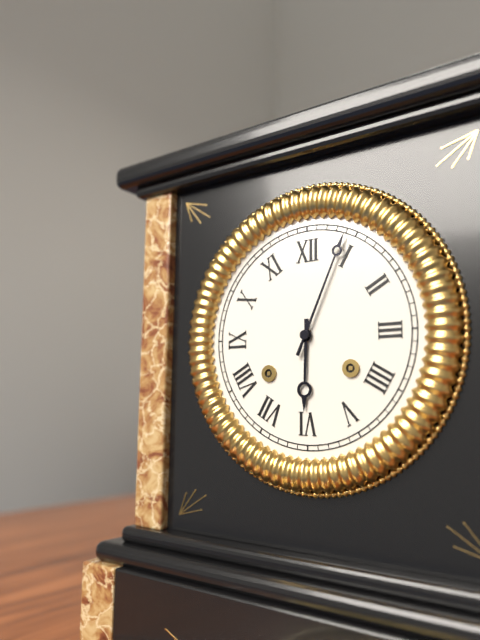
6:04
